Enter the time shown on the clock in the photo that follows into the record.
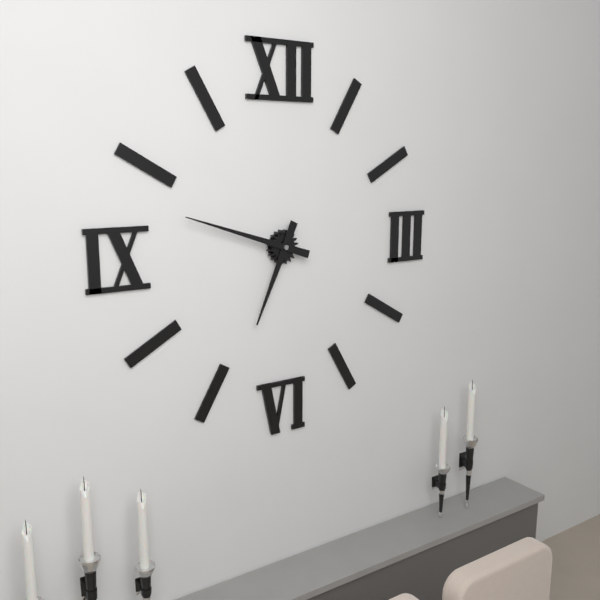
6:48
